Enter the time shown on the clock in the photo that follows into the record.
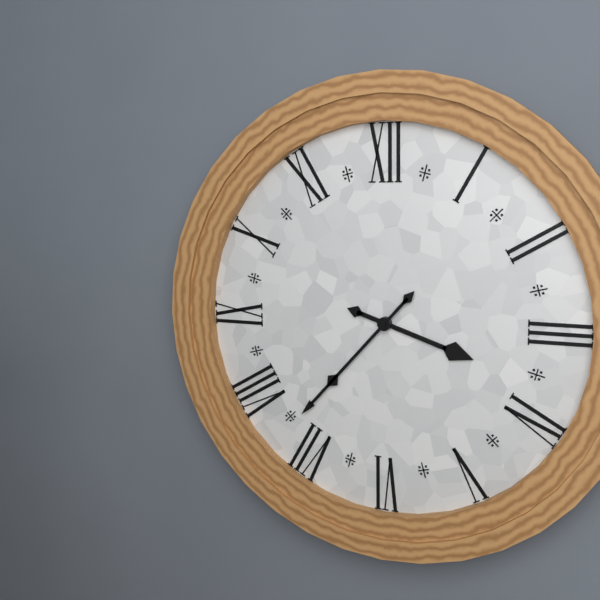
3:37
